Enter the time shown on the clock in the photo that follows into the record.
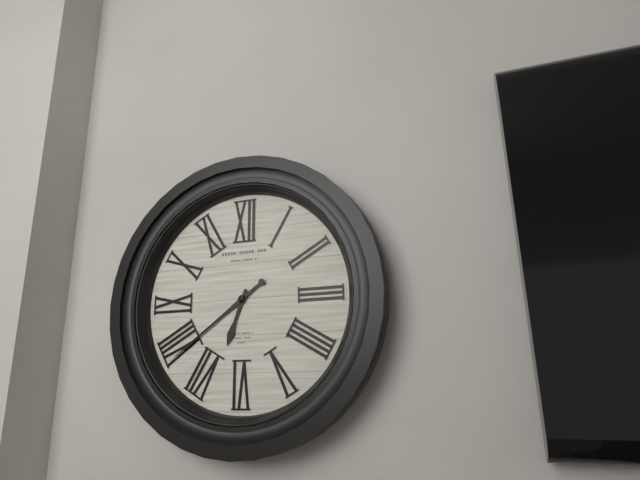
6:39
